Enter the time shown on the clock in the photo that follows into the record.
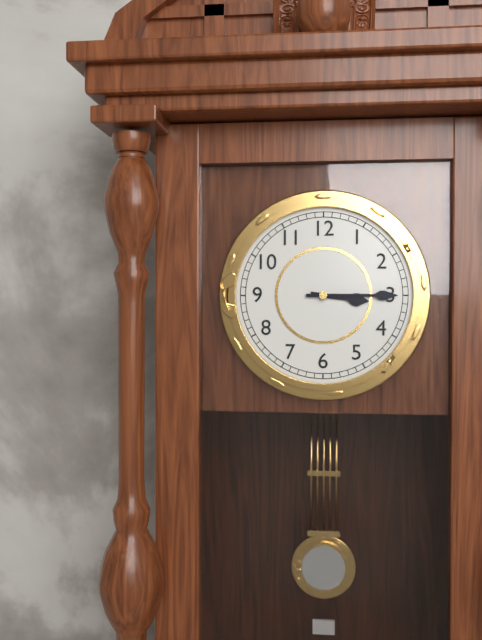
3:15
